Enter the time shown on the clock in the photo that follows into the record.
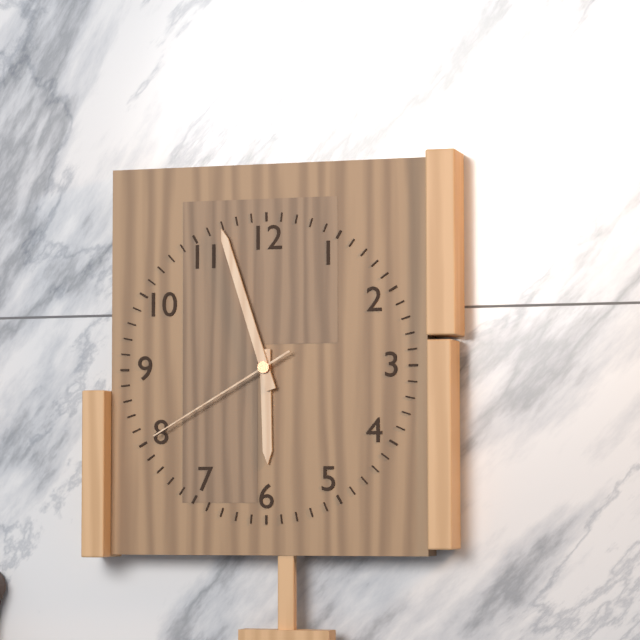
5:57:40
